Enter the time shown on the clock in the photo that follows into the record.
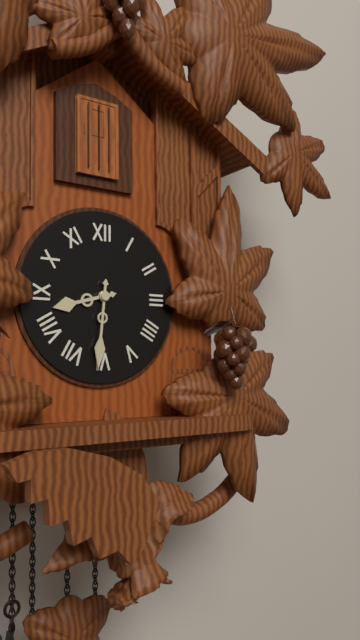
8:31
